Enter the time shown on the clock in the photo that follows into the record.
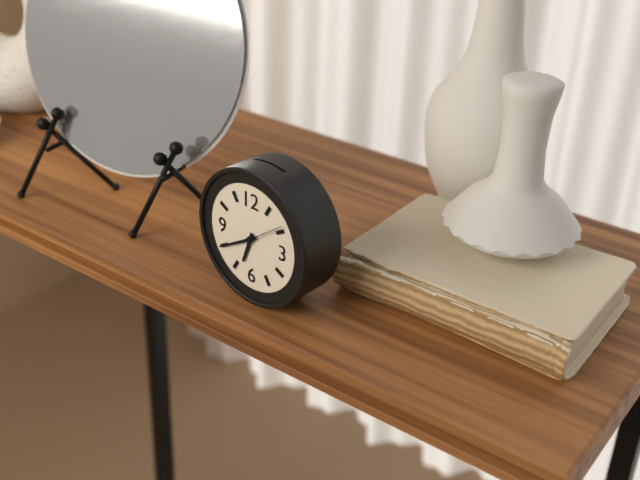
6:40
